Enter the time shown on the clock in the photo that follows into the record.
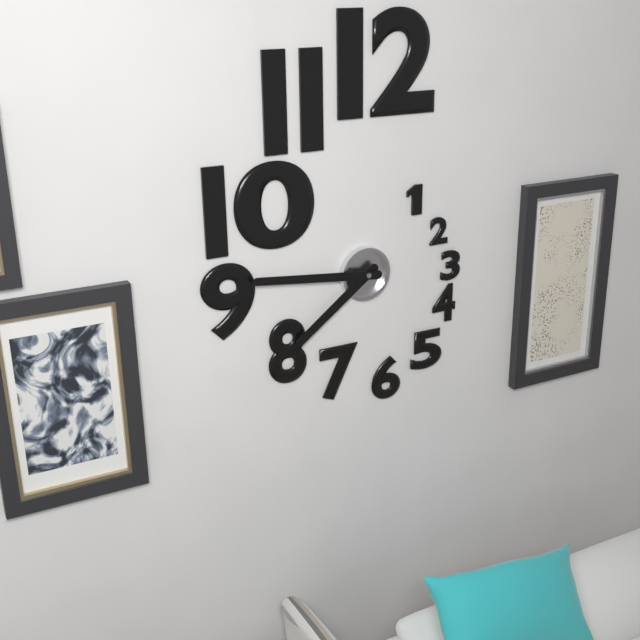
7:46
